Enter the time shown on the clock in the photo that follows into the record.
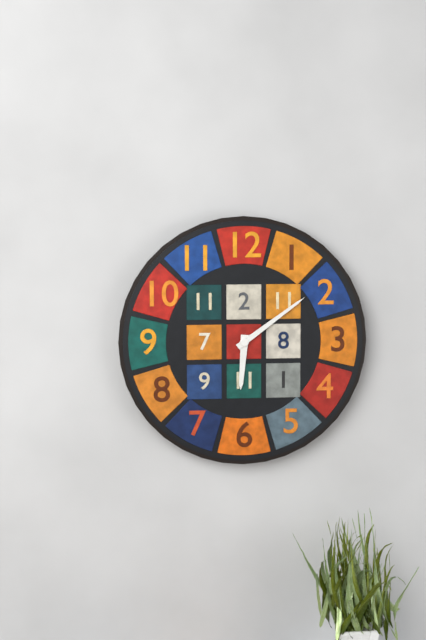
6:09
